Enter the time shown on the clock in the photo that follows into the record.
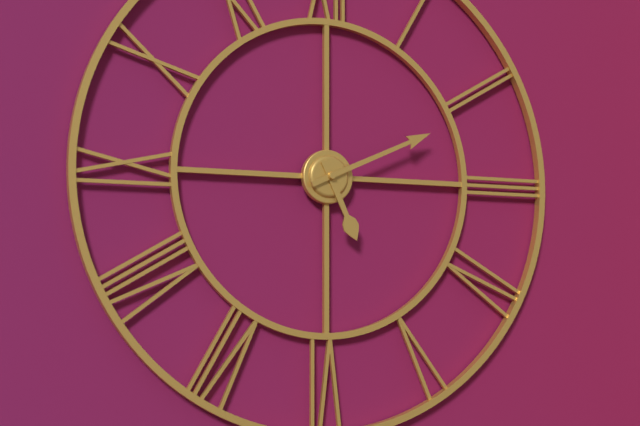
5:11
